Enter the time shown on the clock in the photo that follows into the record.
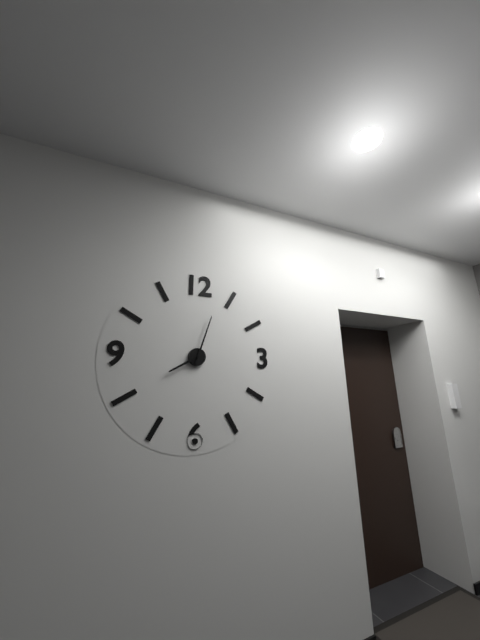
8:03
